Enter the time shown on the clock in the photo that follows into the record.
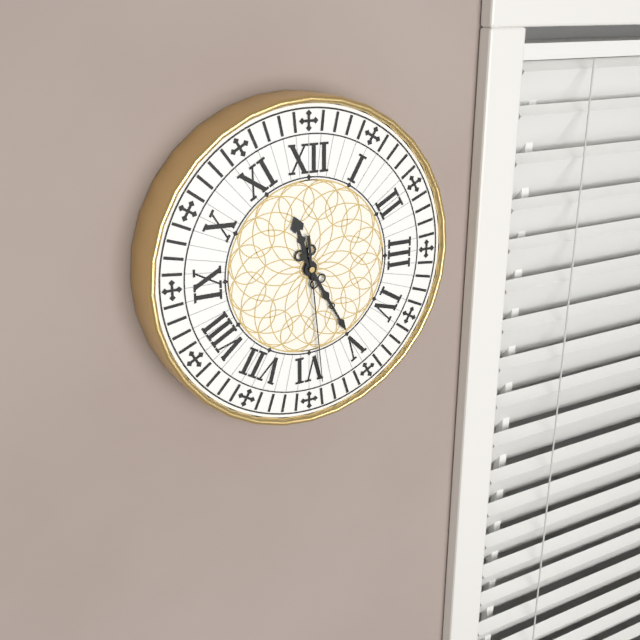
11:25:29
